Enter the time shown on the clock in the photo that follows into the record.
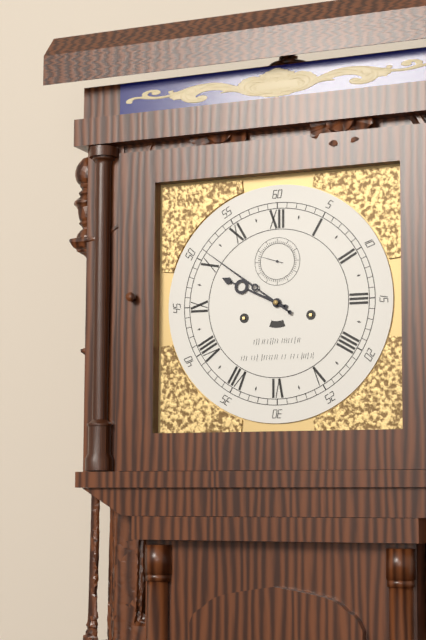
9:51
